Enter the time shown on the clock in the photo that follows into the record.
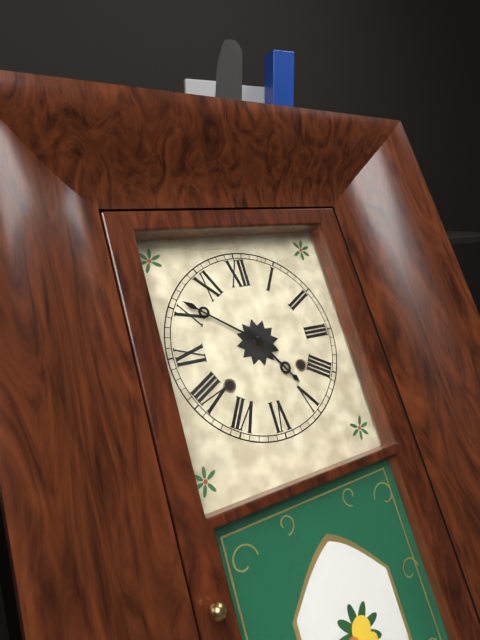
4:51
